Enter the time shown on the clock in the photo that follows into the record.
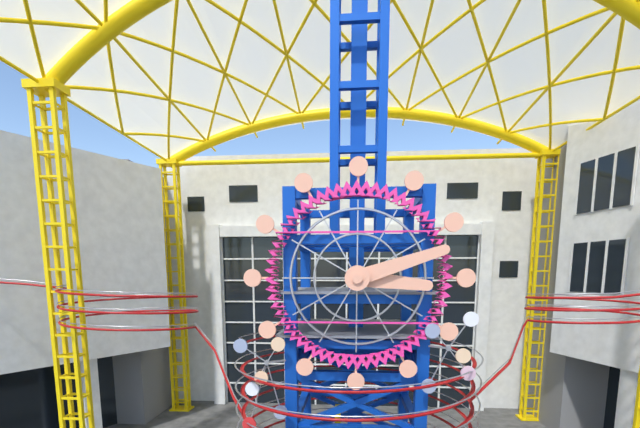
3:12
